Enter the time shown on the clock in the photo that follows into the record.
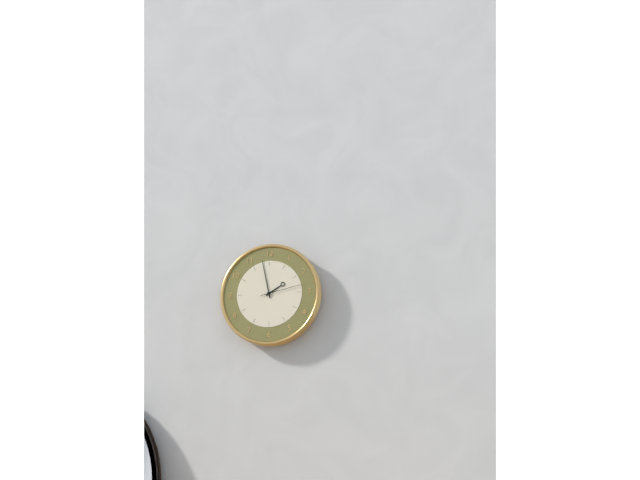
1:58
